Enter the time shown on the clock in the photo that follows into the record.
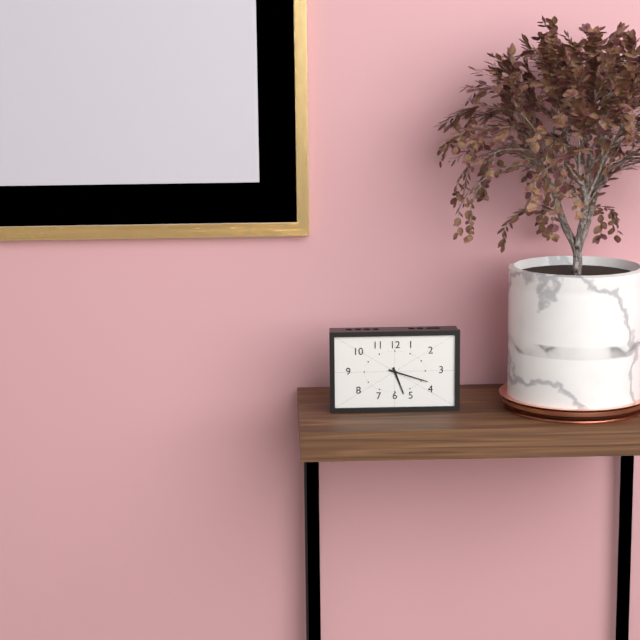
5:18
